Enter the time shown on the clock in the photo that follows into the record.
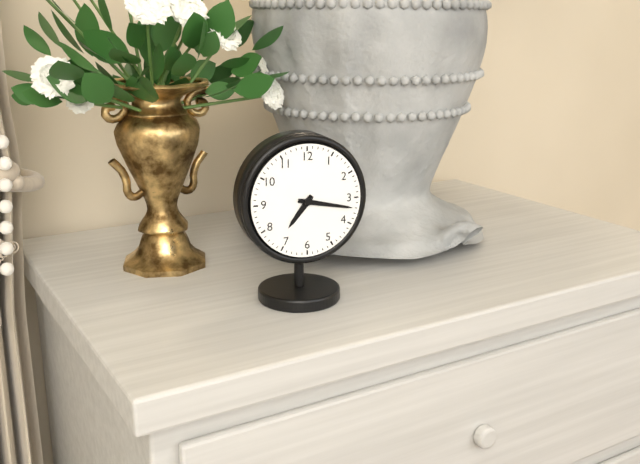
7:17
